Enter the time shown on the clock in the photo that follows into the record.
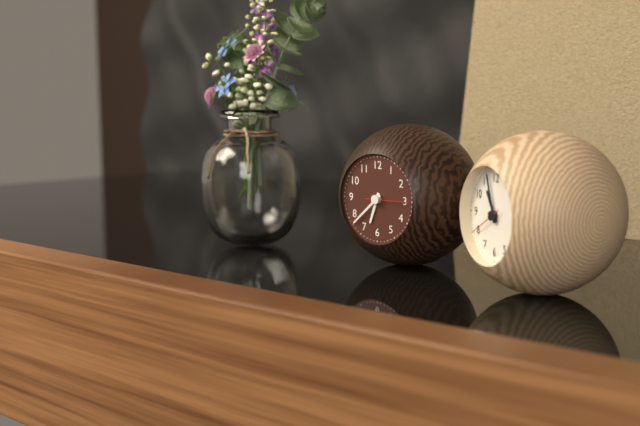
6:38
